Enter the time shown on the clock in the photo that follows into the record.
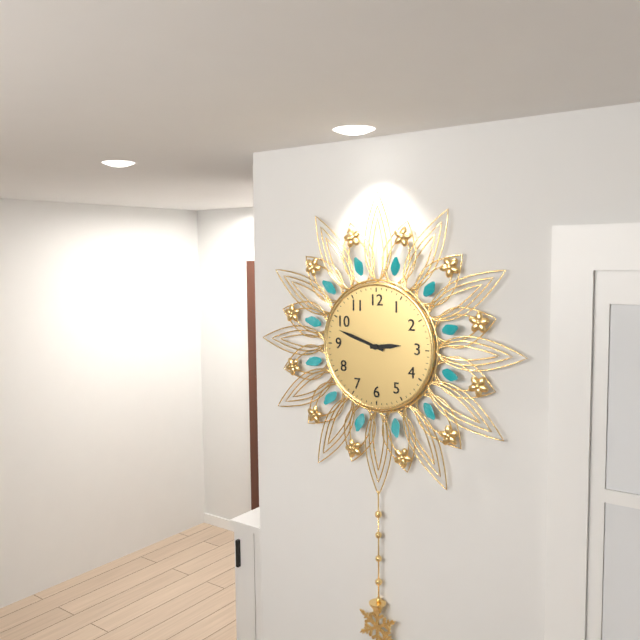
2:48
